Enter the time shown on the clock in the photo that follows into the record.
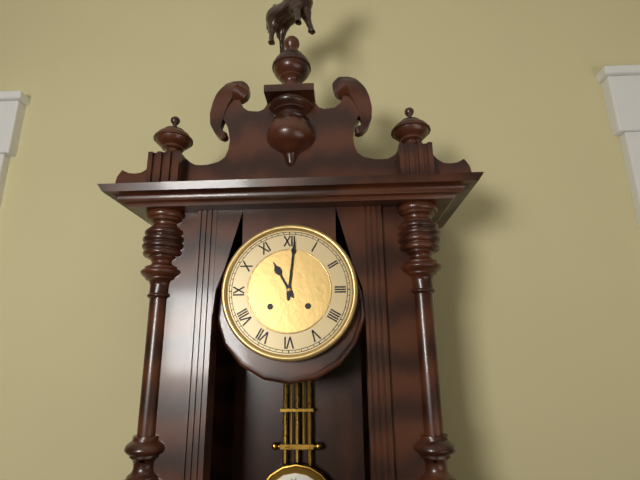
11:01
